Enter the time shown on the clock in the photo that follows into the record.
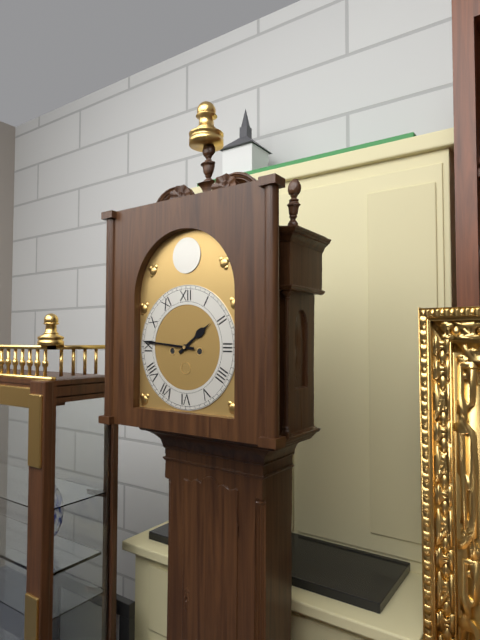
1:46
